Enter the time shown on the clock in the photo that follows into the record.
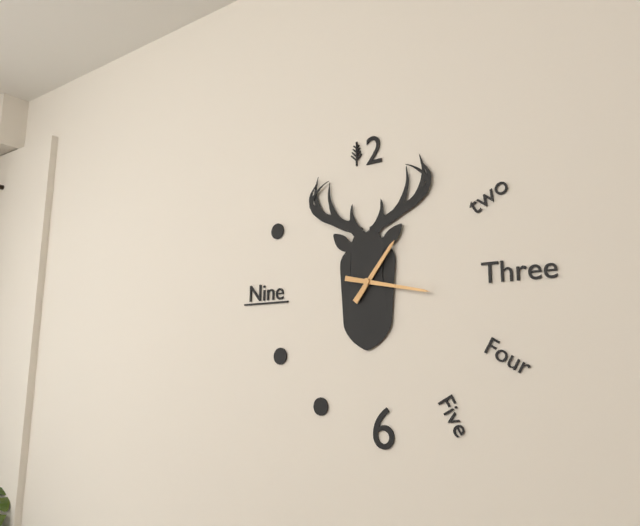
1:17
